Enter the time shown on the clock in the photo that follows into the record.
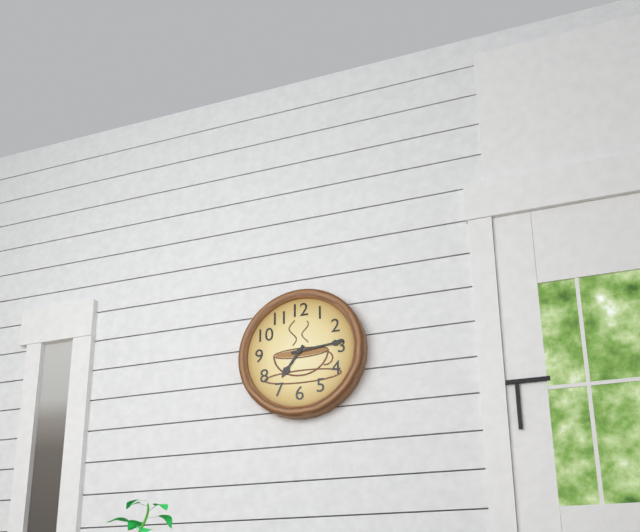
7:14
